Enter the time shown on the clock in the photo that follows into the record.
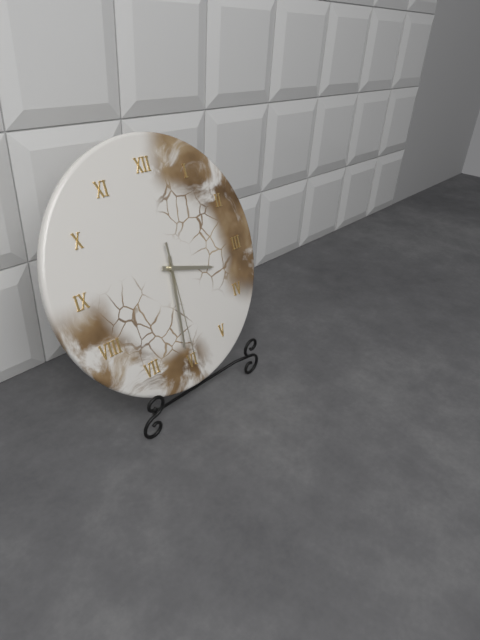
3:31:30
